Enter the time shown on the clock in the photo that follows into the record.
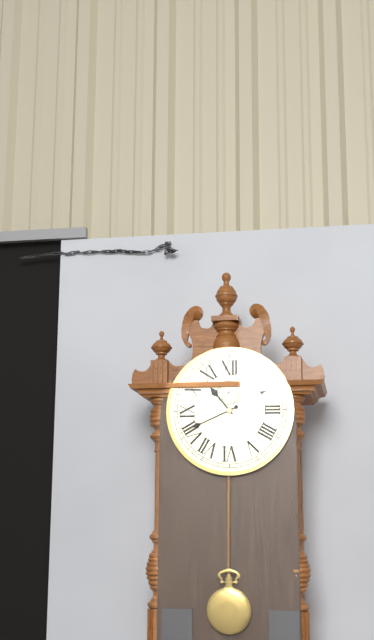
10:41
